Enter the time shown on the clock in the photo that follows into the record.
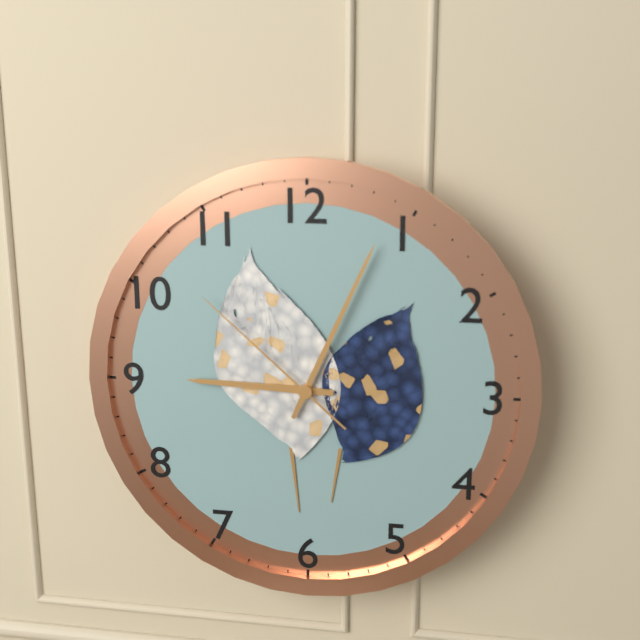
9:04:52
